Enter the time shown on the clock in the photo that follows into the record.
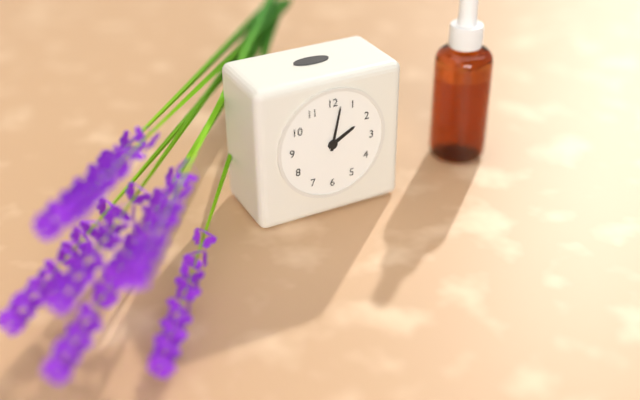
2:02
